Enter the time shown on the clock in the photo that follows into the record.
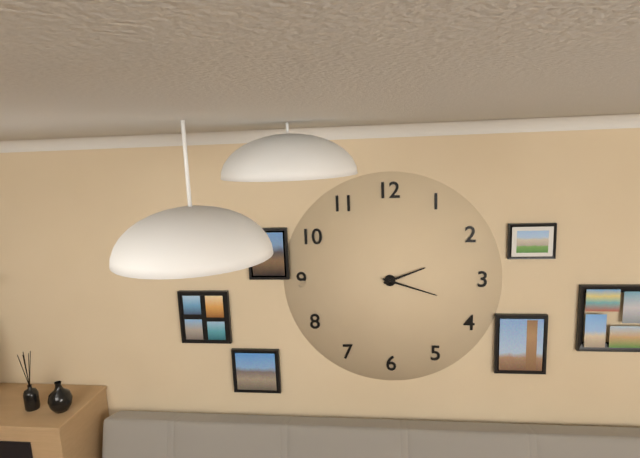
2:18
